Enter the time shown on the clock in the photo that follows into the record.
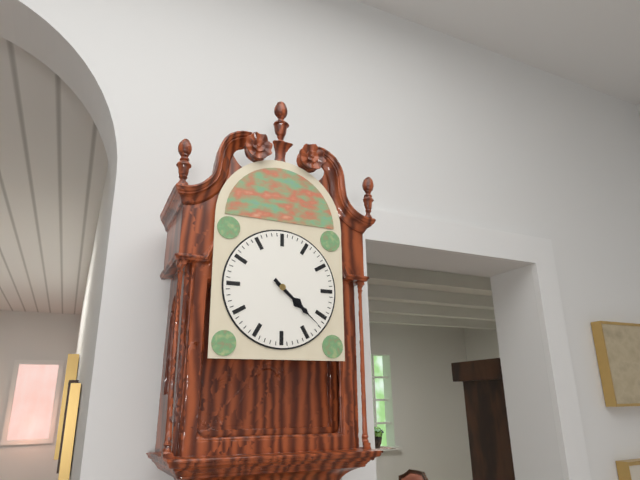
4:22
